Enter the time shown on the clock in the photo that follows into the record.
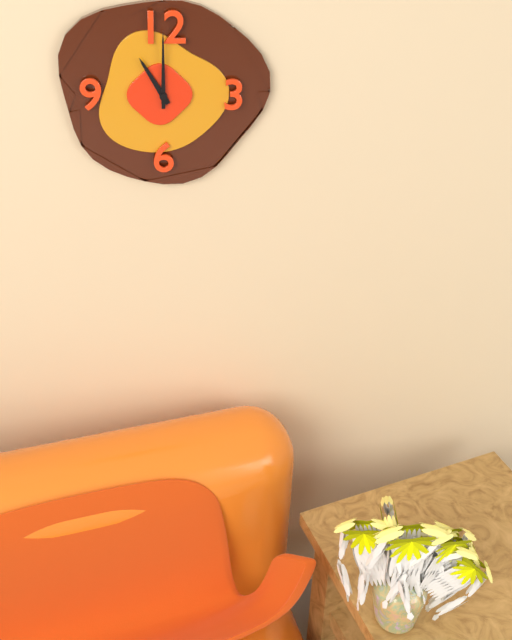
11:00
